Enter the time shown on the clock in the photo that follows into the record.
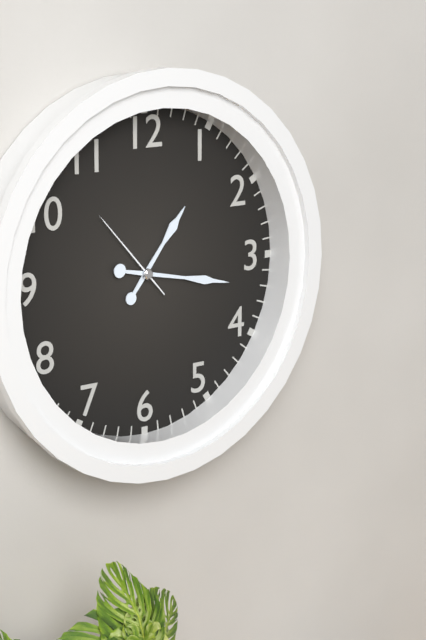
1:17:53
